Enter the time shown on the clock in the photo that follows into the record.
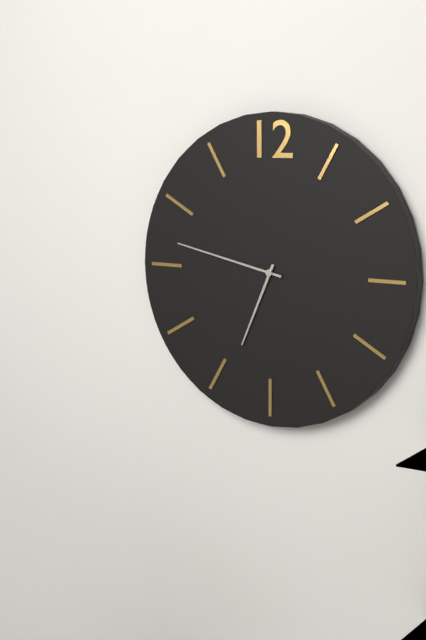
6:47
